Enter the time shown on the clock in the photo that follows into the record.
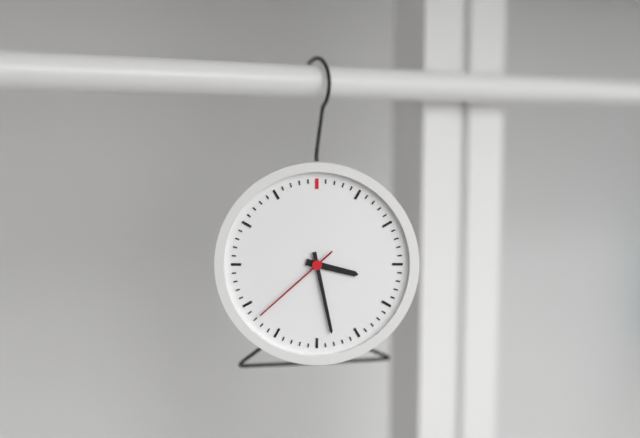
3:28:38
